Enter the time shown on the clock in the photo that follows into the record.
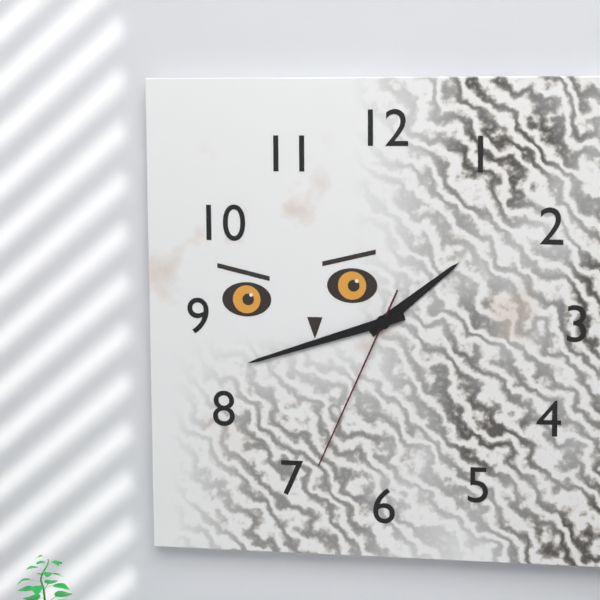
1:42:34
